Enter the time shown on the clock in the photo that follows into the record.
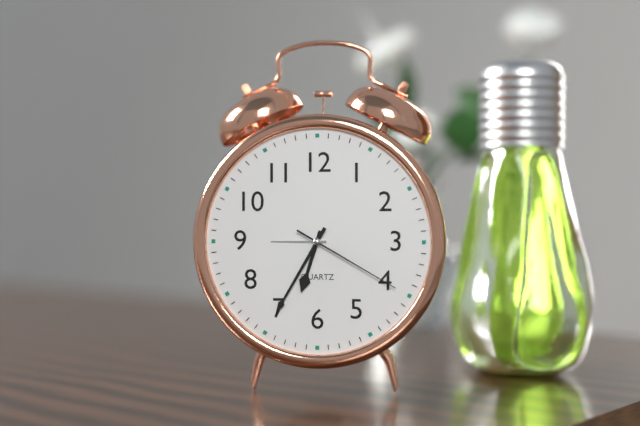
6:35:20
